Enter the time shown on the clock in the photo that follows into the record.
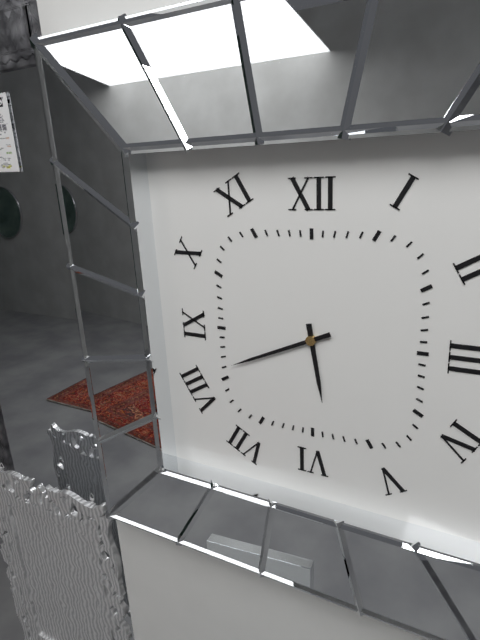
5:41
